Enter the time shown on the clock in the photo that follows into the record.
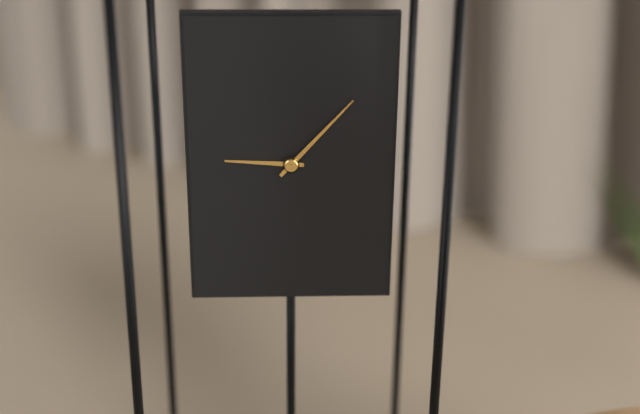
9:07
